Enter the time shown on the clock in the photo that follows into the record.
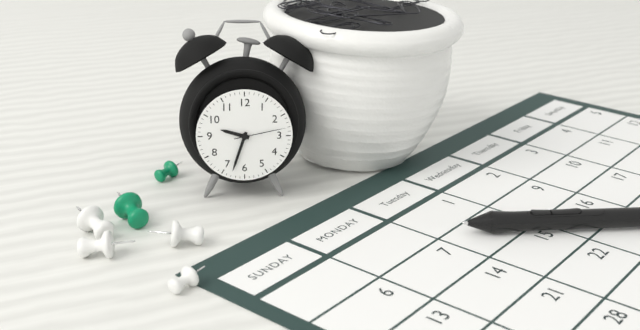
9:33:13
